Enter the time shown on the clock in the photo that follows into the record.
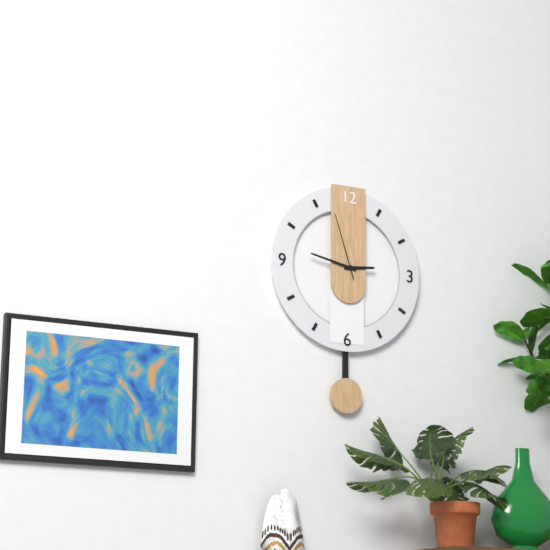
2:47:57
